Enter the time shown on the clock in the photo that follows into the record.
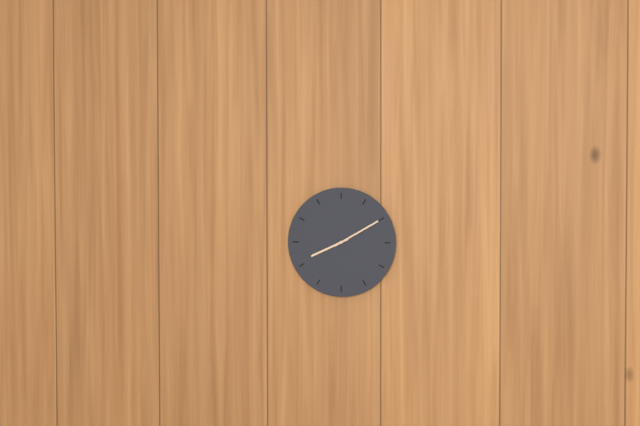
8:10
